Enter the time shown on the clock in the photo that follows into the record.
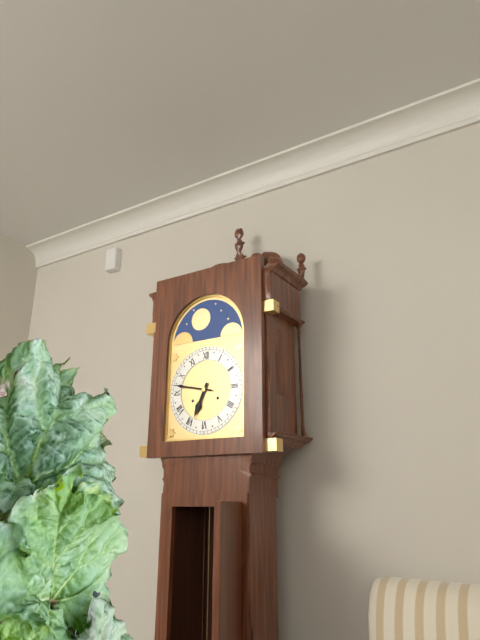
6:47
